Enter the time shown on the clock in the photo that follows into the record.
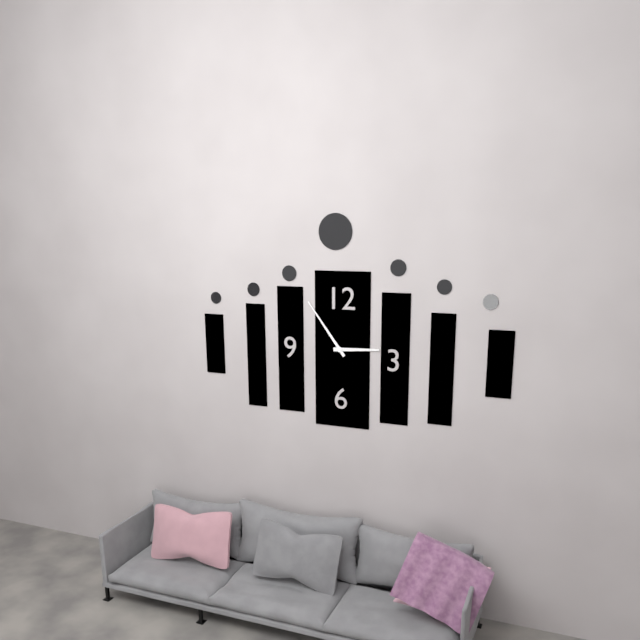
2:54
